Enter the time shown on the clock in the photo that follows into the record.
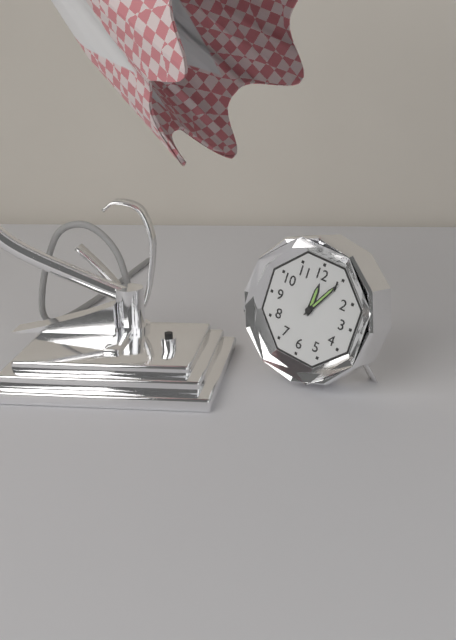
12:05
